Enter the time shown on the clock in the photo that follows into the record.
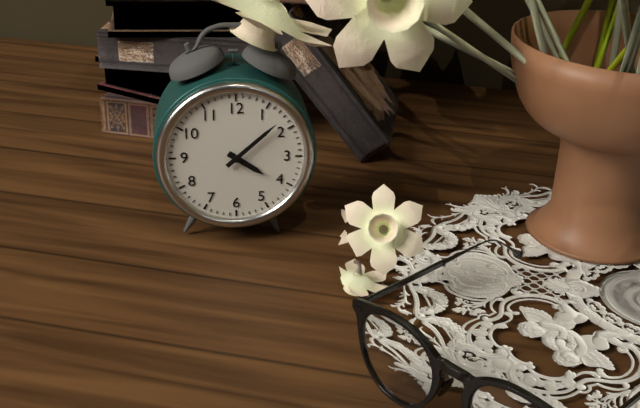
4:08
